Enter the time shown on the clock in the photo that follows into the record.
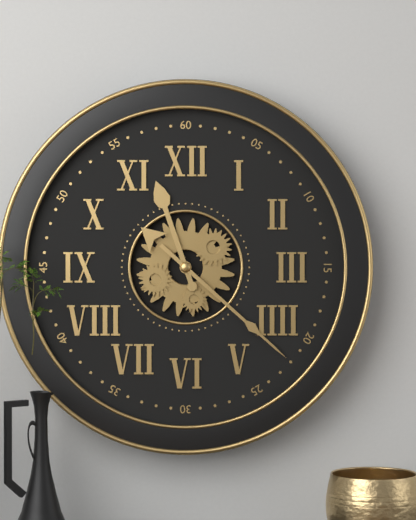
11:22
